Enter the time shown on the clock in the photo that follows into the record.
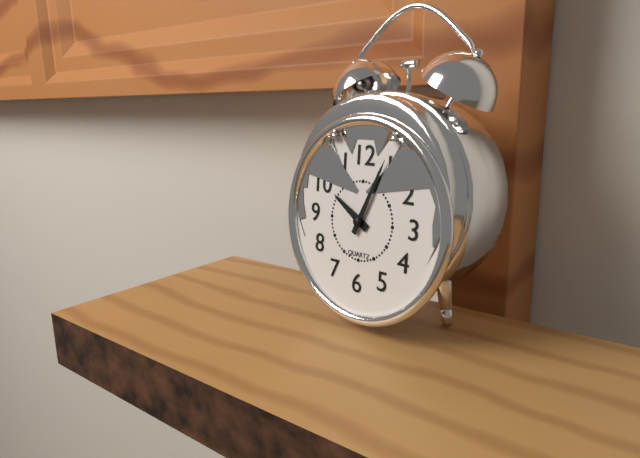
10:04
